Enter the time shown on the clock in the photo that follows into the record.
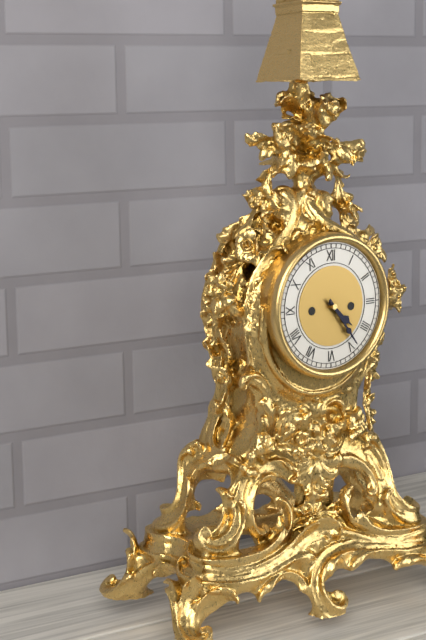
4:24
